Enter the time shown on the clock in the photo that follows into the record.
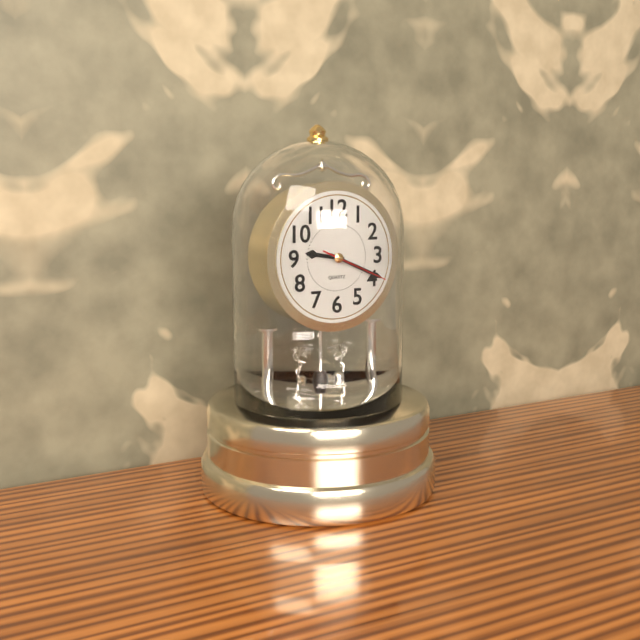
9:19:19
